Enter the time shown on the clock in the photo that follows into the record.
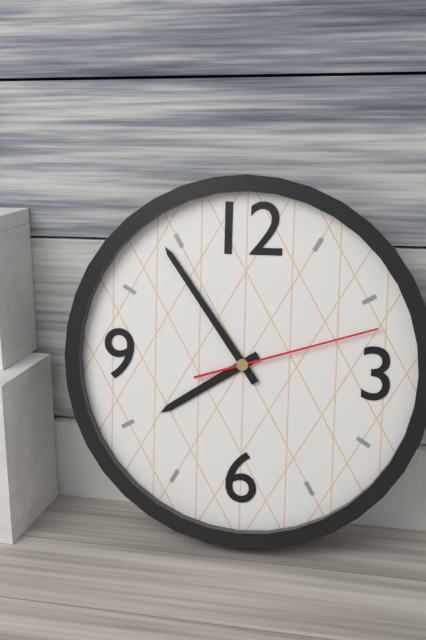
7:54:12
